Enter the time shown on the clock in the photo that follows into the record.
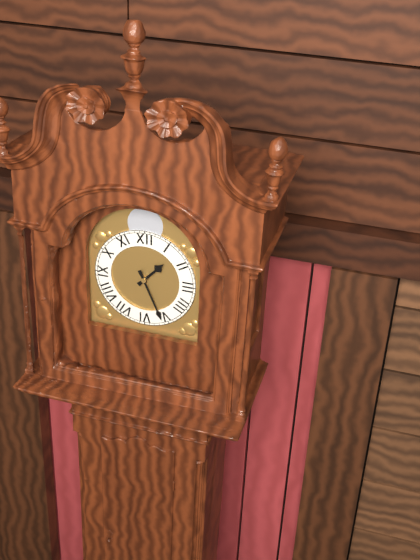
1:26
